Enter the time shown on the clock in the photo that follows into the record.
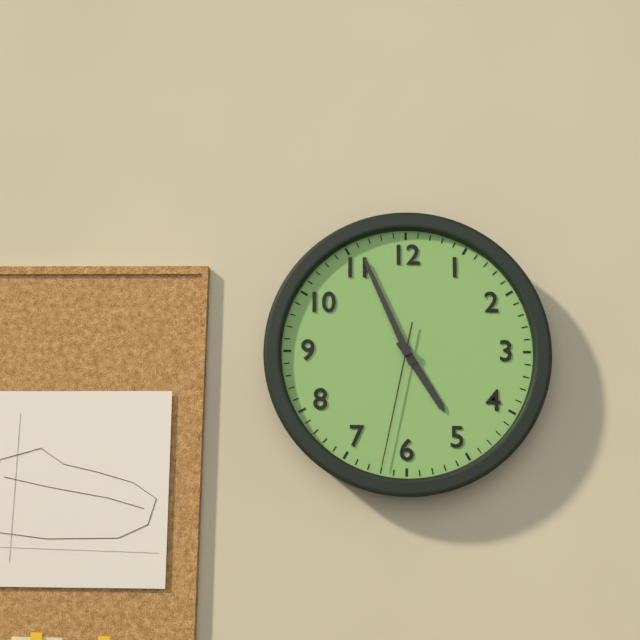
4:56:32
